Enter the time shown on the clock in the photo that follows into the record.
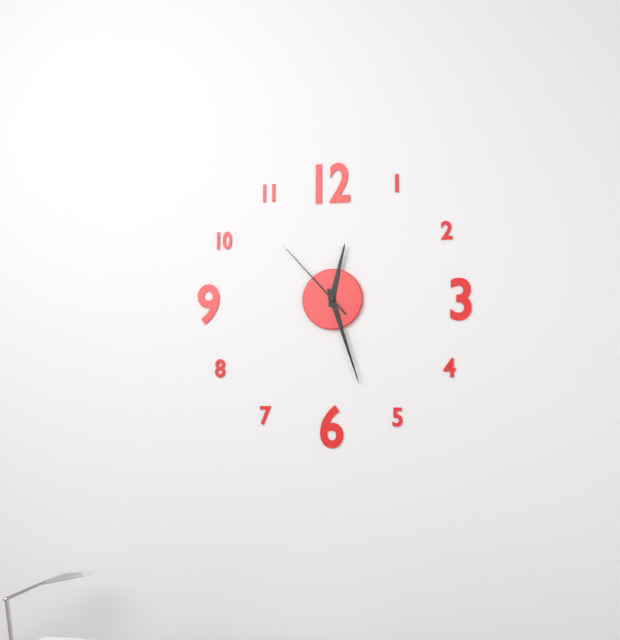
12:27:53
